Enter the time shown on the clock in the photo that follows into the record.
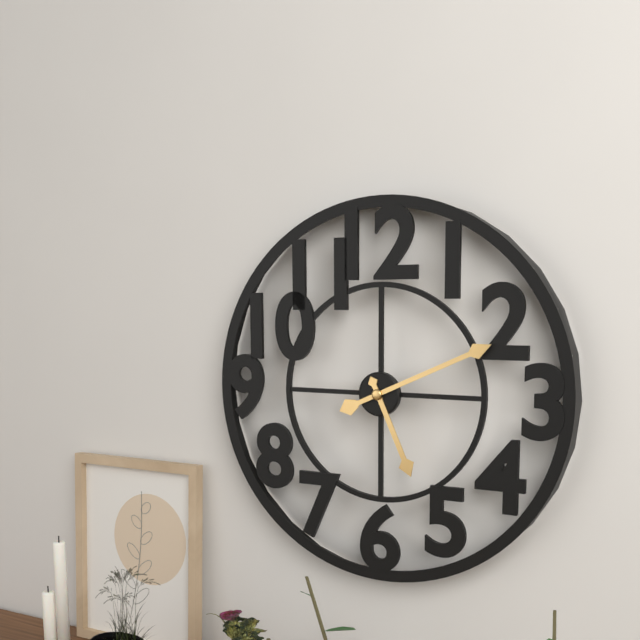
5:11
